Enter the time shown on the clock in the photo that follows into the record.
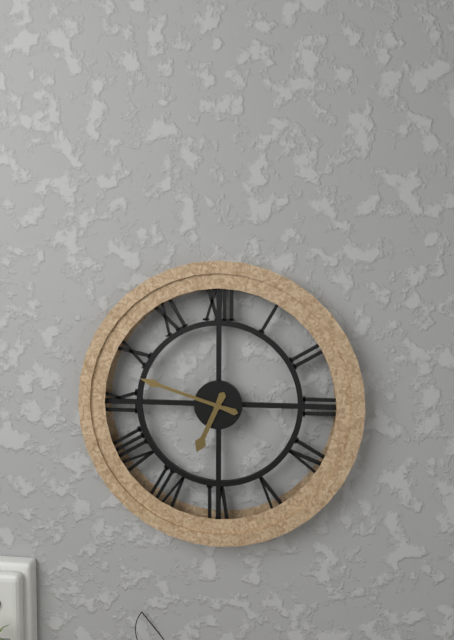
6:48
